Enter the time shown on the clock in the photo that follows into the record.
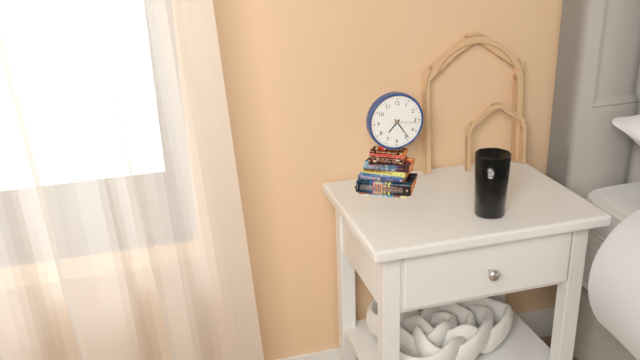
7:24
